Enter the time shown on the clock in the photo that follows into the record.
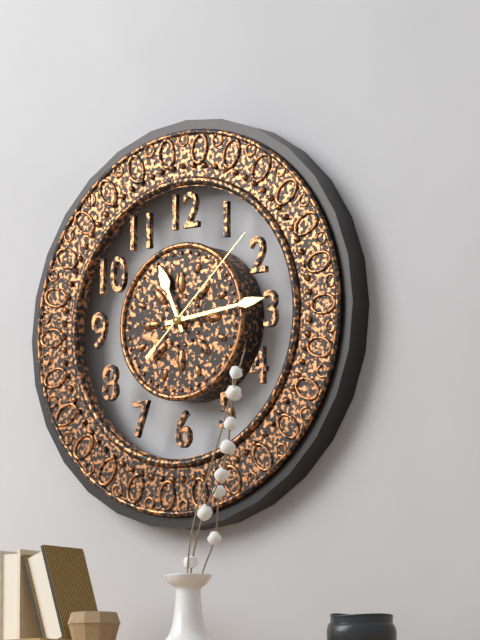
11:14:08
